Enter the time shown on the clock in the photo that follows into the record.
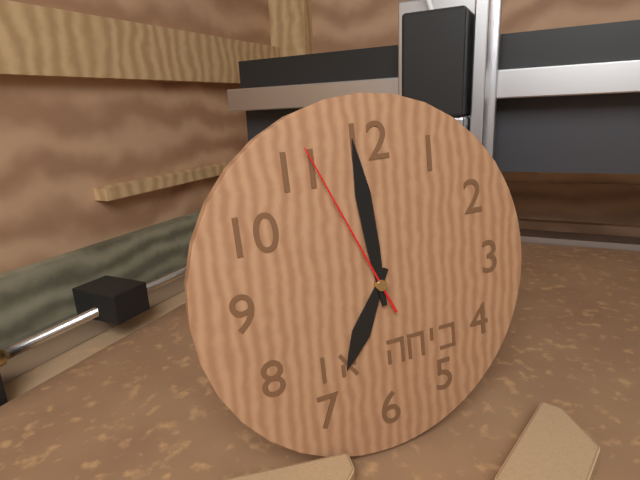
6:59:56
